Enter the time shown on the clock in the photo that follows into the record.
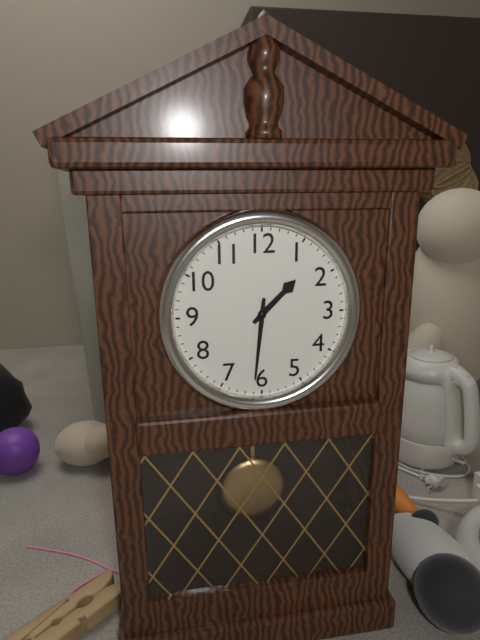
1:31
